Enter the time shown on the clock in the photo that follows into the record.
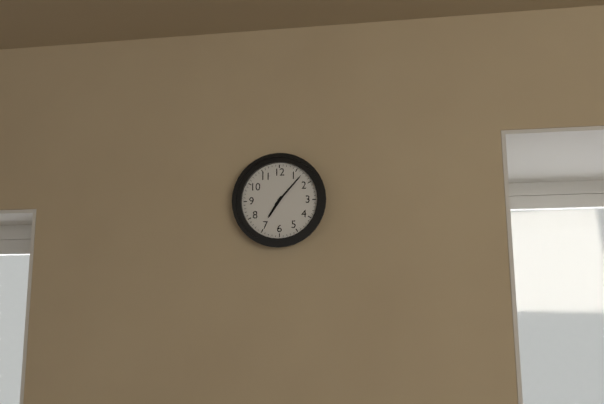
7:07
